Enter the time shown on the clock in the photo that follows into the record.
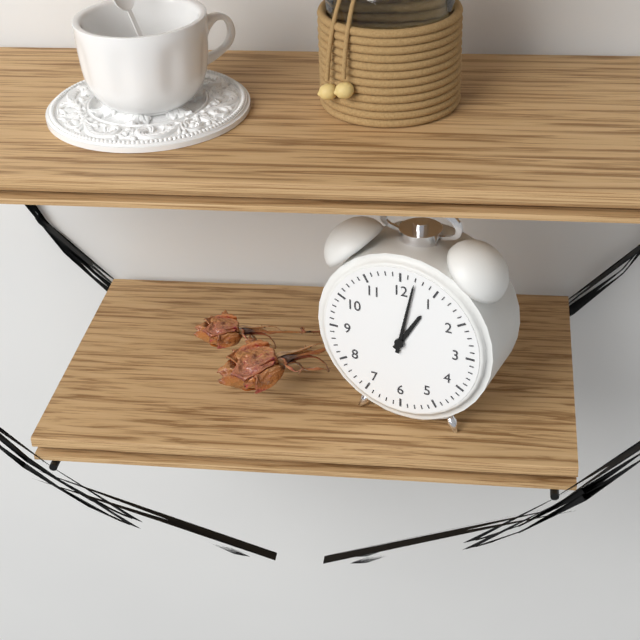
1:02
